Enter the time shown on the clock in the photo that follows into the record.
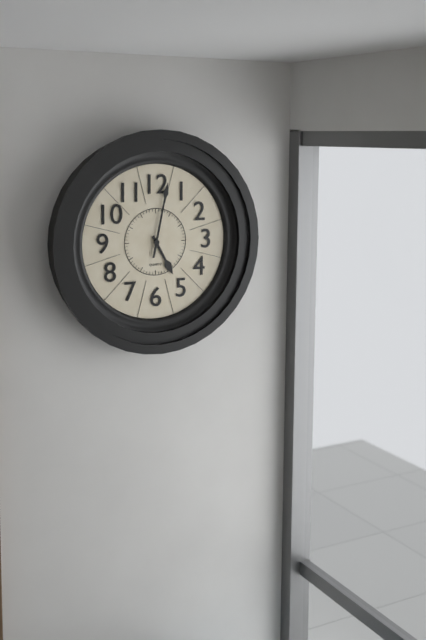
5:02
